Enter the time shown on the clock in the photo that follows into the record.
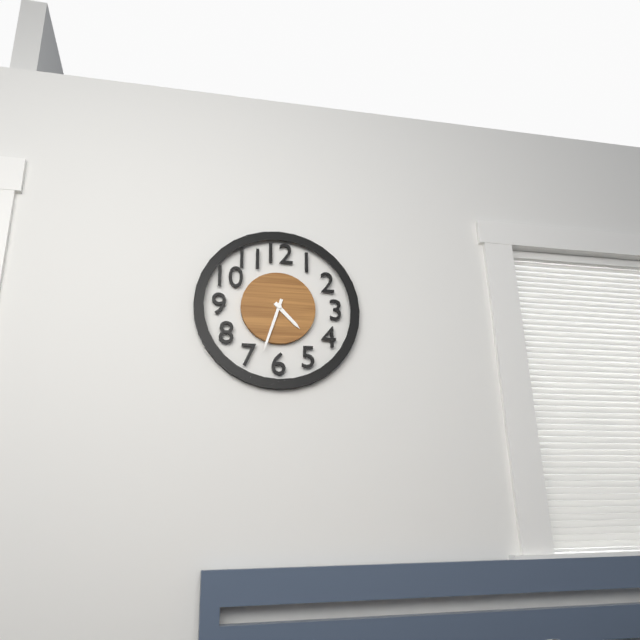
4:33
